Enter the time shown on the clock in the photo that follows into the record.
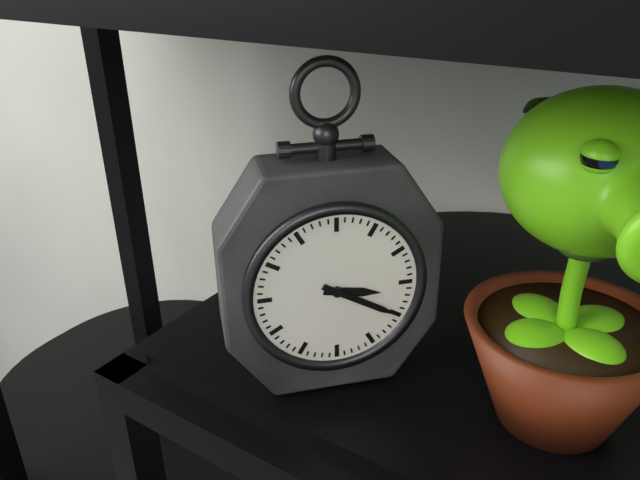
3:20
